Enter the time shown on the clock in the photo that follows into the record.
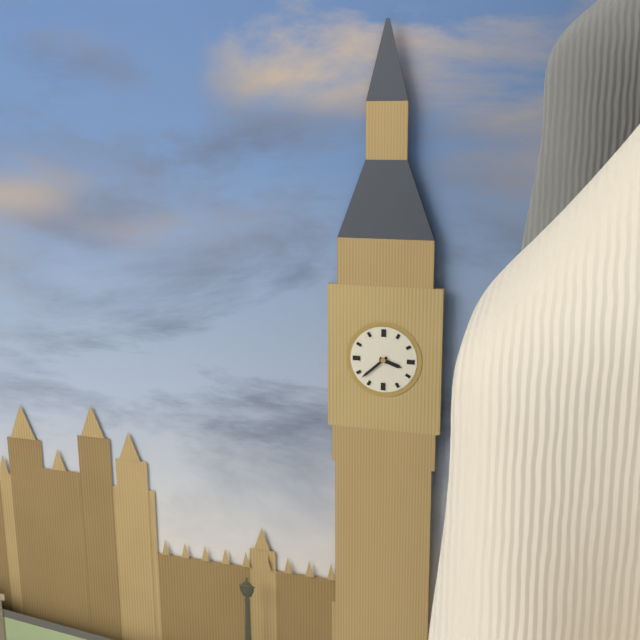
3:38
